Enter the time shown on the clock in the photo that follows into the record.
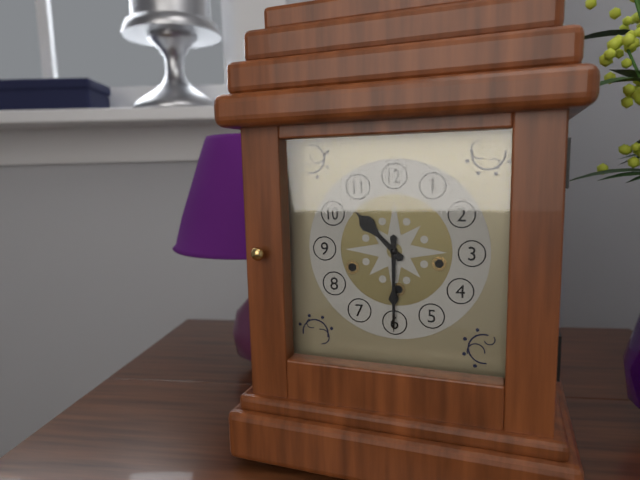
10:30
